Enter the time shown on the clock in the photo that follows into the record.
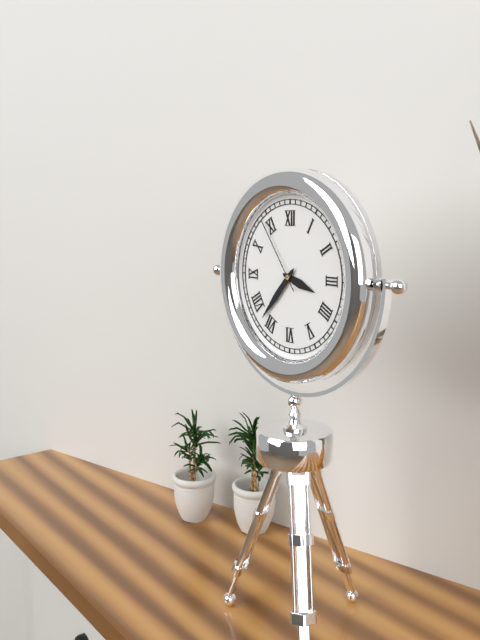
3:37:54
